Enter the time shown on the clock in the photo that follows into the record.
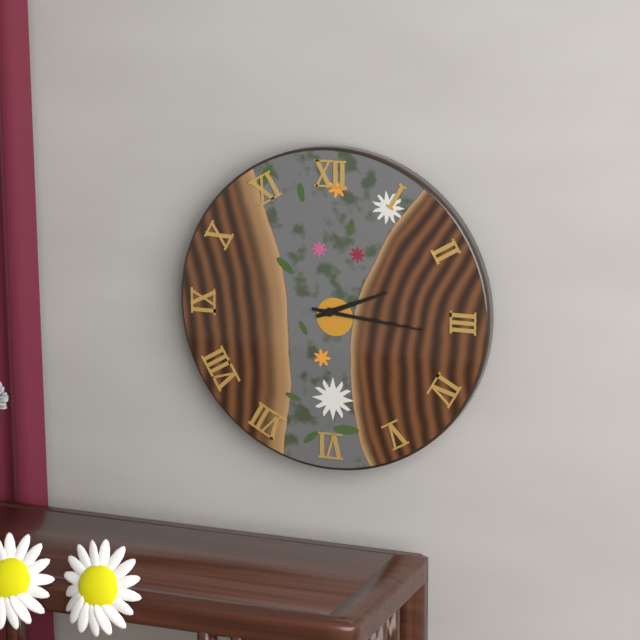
2:16
